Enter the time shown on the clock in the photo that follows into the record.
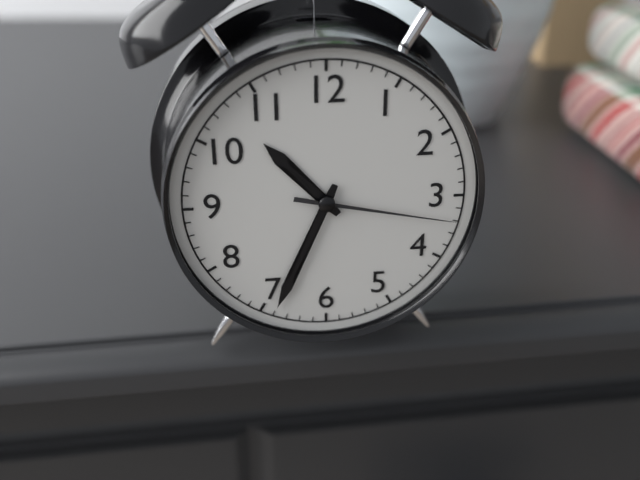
10:34:17
